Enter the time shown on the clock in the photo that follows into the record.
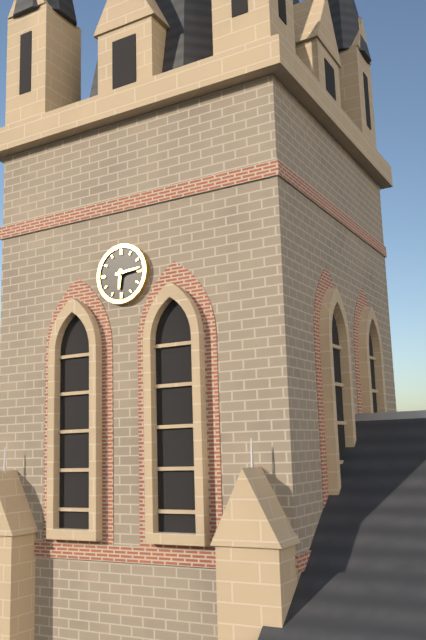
6:14
